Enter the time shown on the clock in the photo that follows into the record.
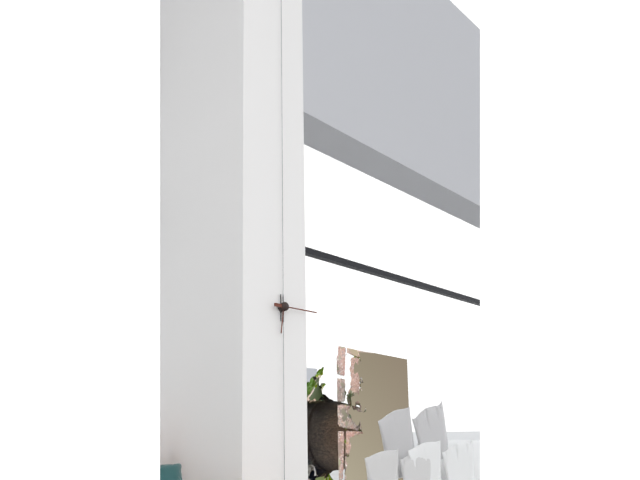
6:15
